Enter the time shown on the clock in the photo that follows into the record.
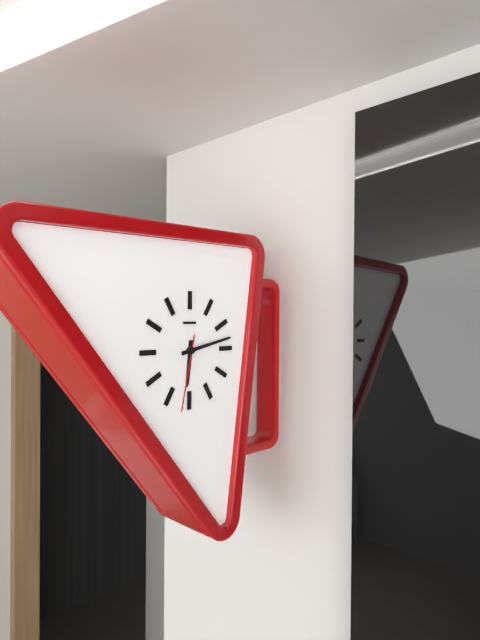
6:13:32
